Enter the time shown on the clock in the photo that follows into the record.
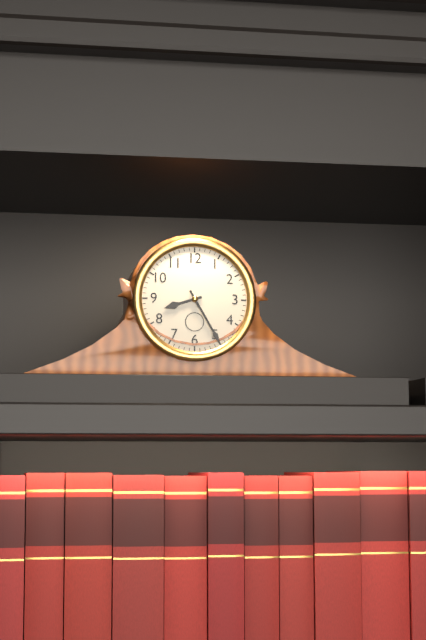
8:25
